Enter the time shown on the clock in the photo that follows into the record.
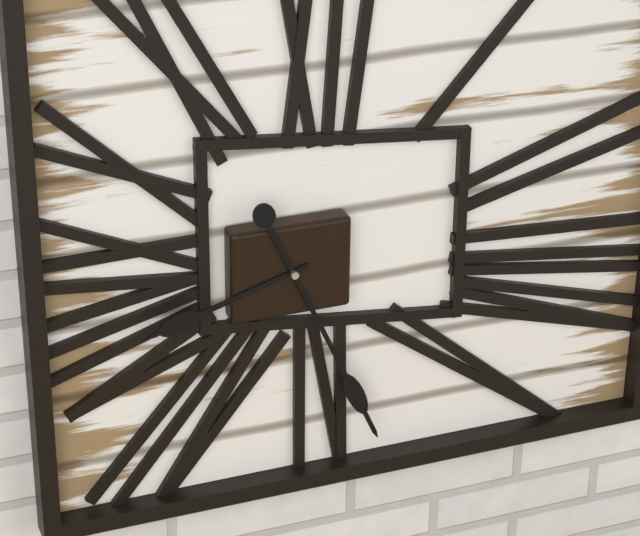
8:26
